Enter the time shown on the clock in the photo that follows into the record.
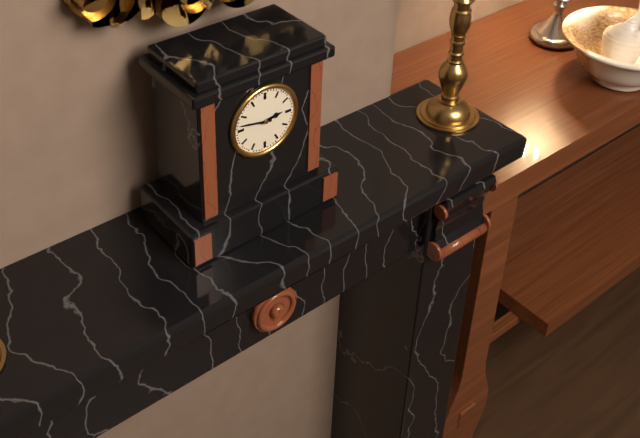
2:47
